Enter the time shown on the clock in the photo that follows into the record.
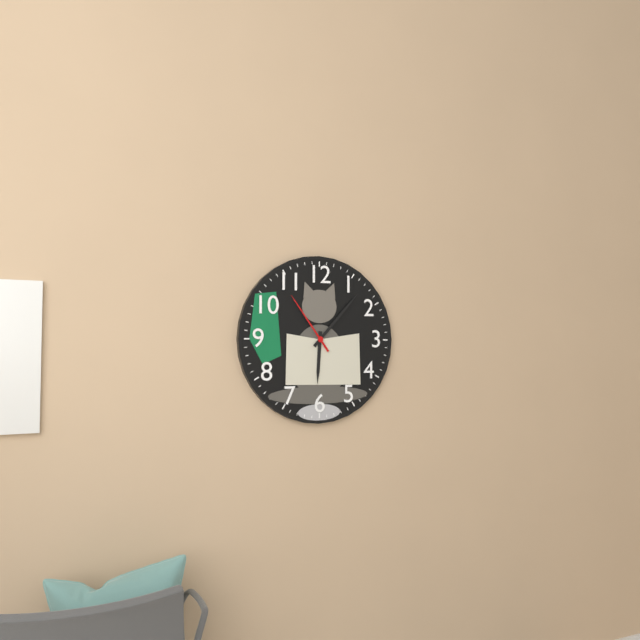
6:07:54
